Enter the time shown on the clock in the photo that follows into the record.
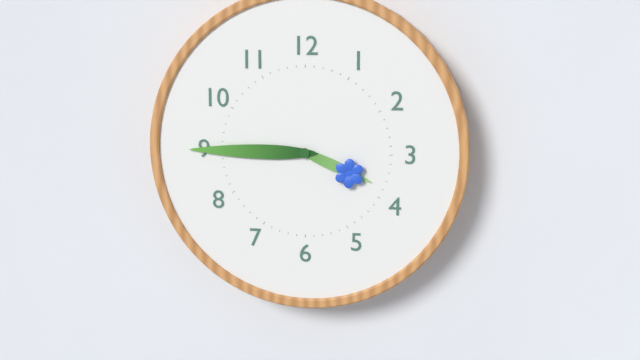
3:45
